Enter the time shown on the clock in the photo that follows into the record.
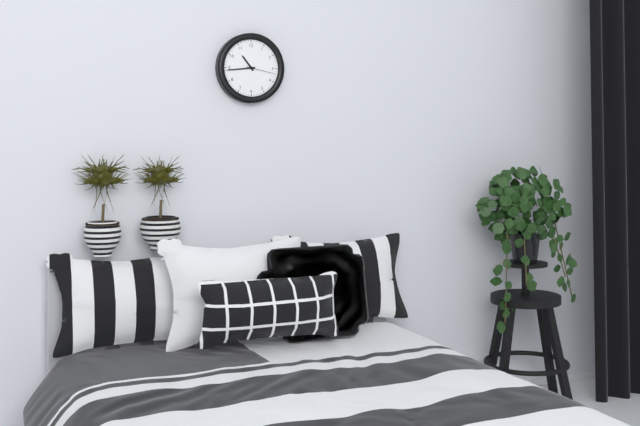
10:44
